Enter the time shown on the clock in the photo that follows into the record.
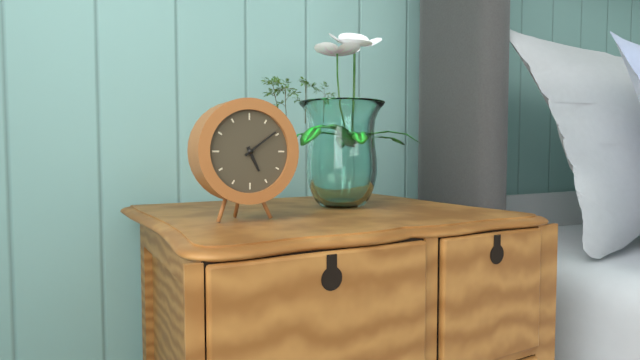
5:09
